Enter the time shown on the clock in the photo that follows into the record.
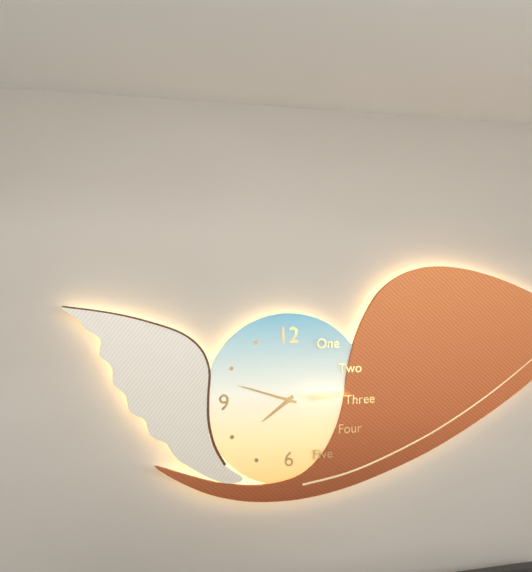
7:48
